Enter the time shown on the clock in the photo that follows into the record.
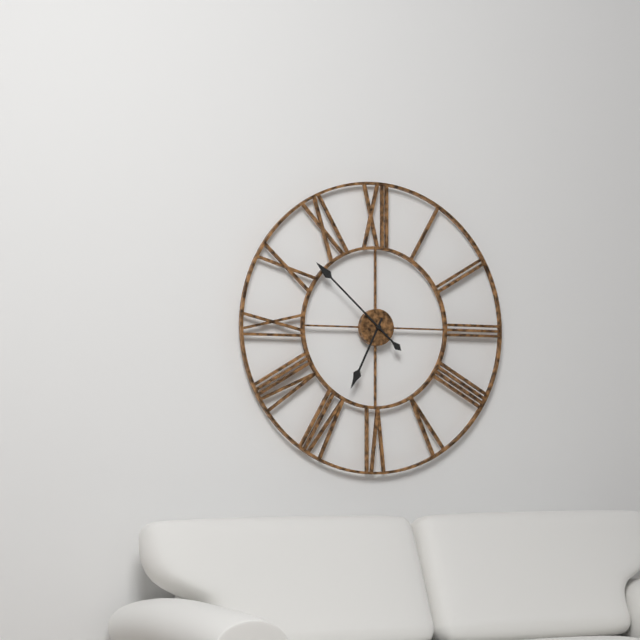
6:52
